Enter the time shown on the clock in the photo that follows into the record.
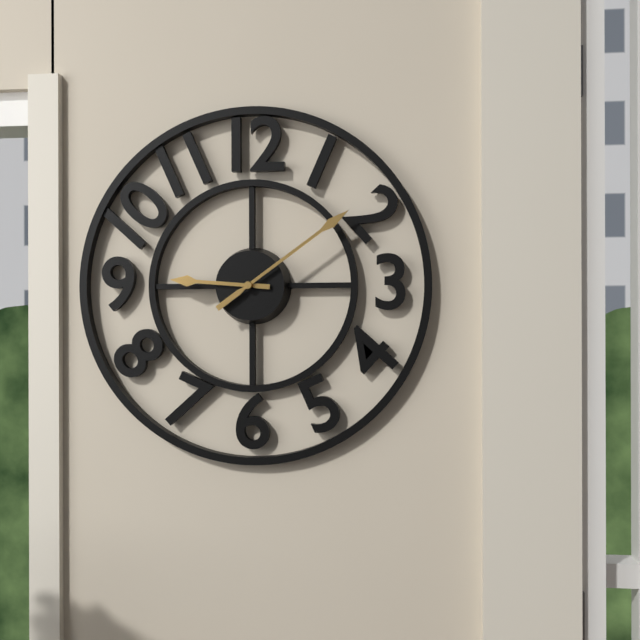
9:09
